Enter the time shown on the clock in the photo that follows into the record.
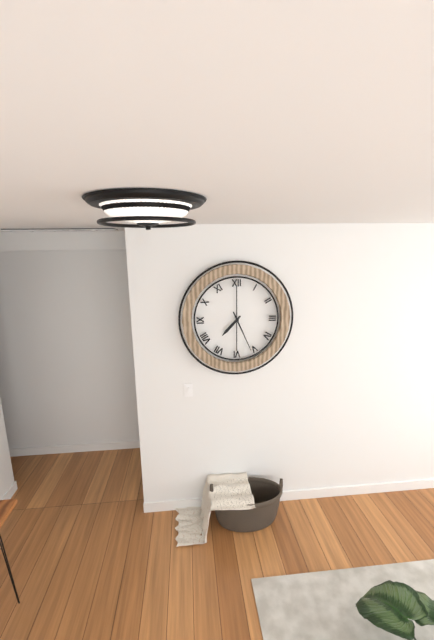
7:26
